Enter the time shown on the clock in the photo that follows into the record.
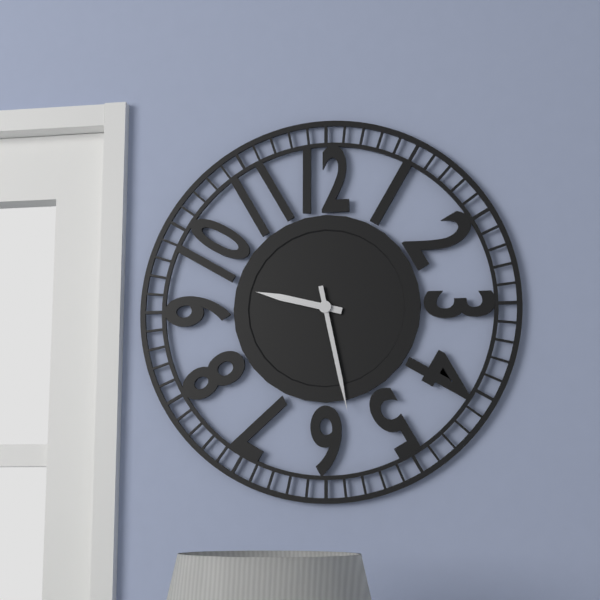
9:28
